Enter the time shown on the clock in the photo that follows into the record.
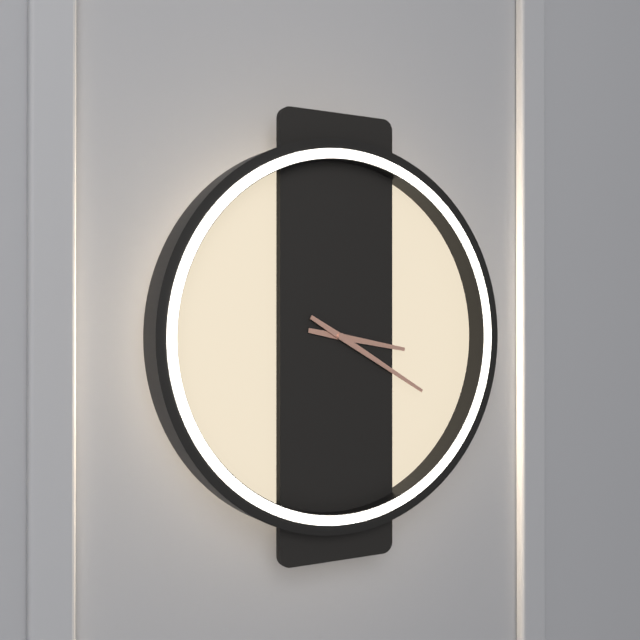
3:20
